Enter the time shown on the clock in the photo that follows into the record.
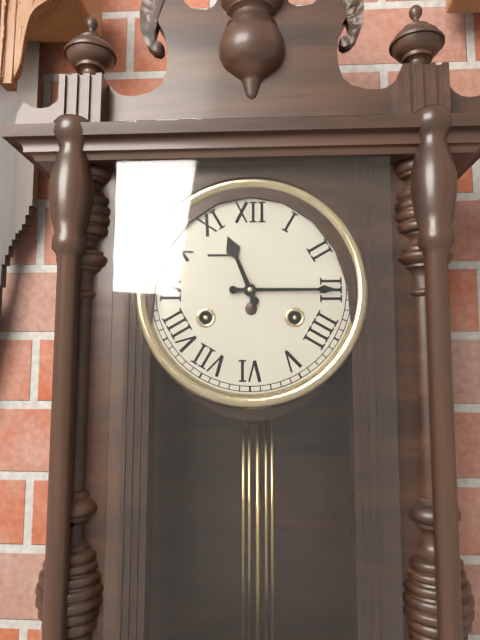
11:15
